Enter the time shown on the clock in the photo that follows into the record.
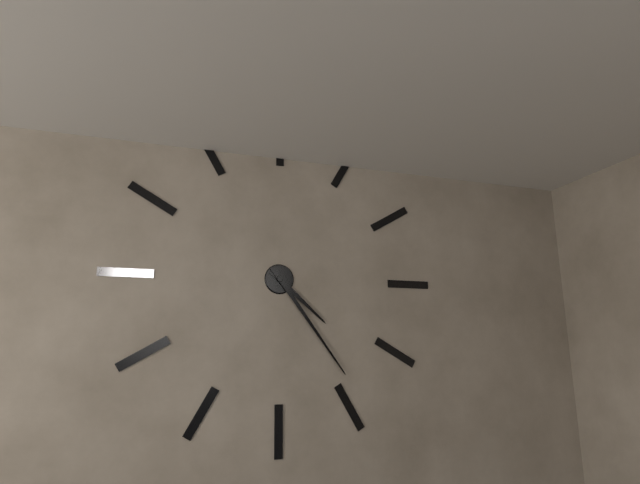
4:24
